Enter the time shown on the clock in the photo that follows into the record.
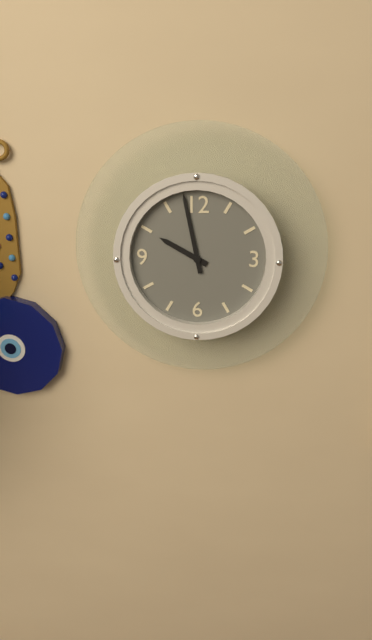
9:58
